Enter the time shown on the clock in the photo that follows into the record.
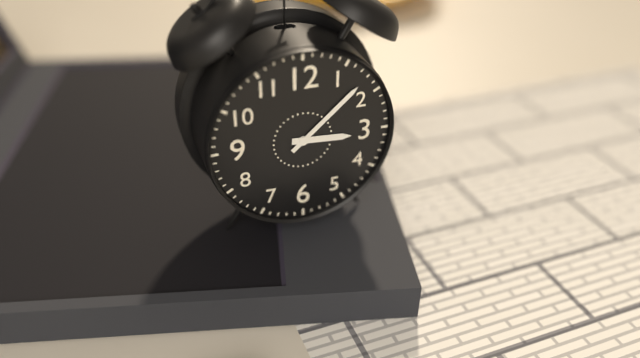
3:08
